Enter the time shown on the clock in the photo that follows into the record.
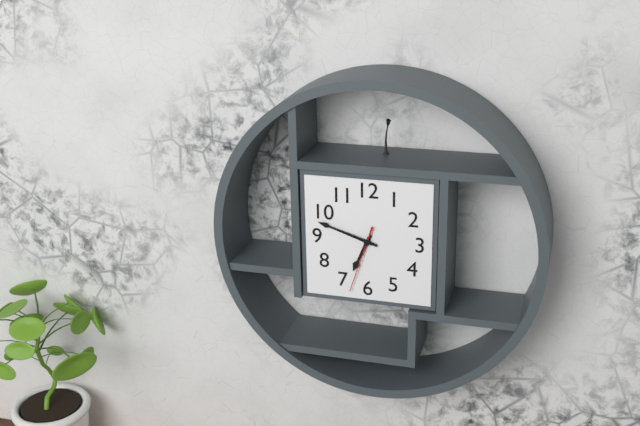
6:48:33
